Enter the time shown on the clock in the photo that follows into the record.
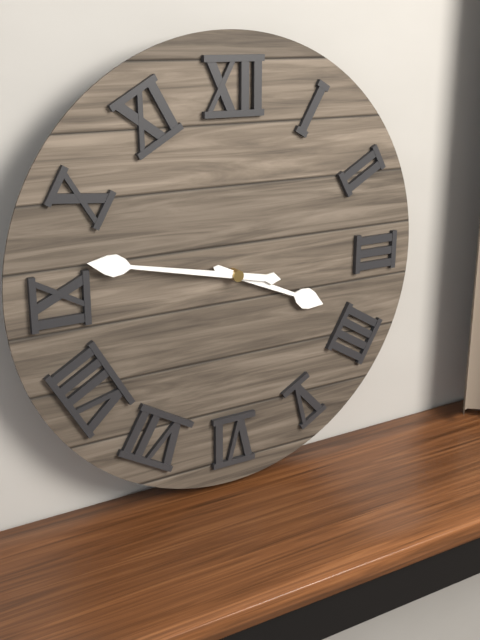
3:47
